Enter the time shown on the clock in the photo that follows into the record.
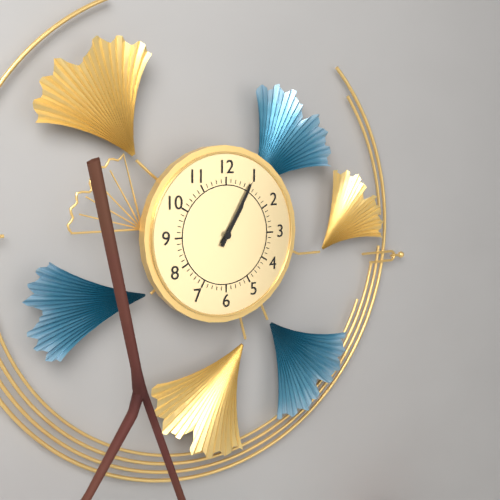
1:05
